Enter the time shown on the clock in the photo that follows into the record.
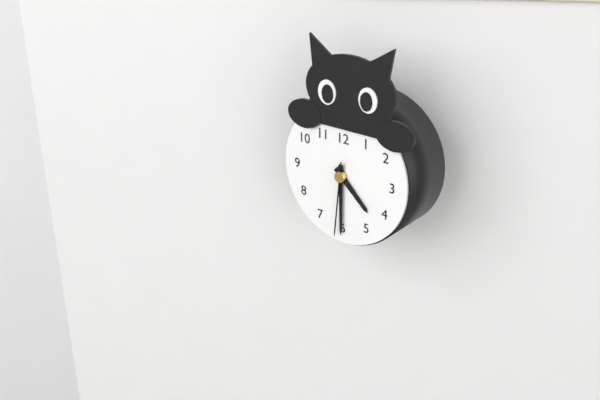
4:30:31
